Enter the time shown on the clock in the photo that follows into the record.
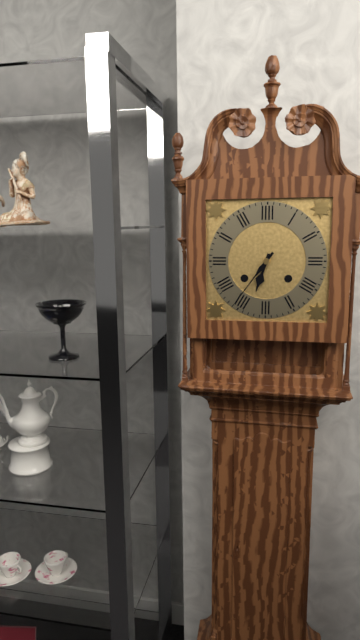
6:36
